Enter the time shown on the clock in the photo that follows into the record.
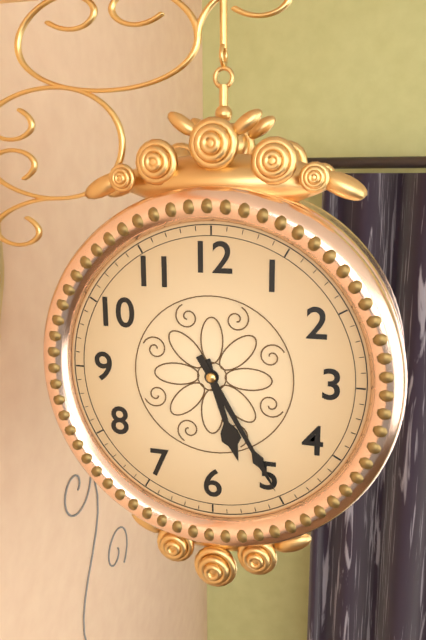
5:25
